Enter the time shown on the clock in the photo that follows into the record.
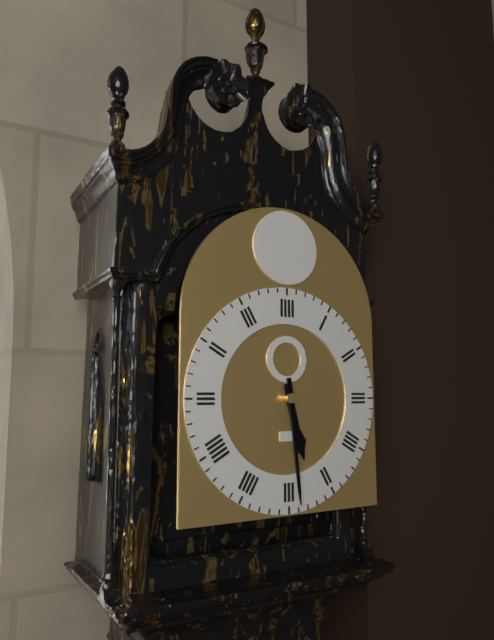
5:29
